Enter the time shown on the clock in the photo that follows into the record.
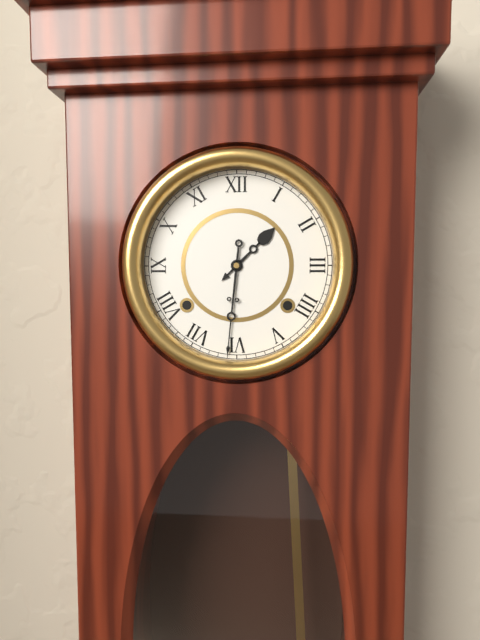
1:31
